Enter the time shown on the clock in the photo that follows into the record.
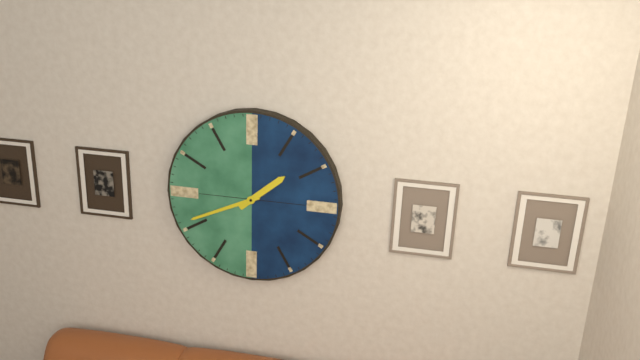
1:41
